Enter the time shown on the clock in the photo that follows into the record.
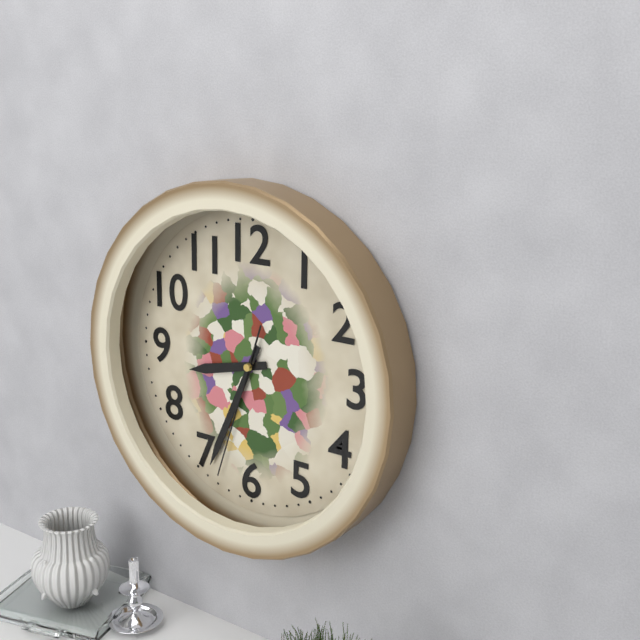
8:34:33
